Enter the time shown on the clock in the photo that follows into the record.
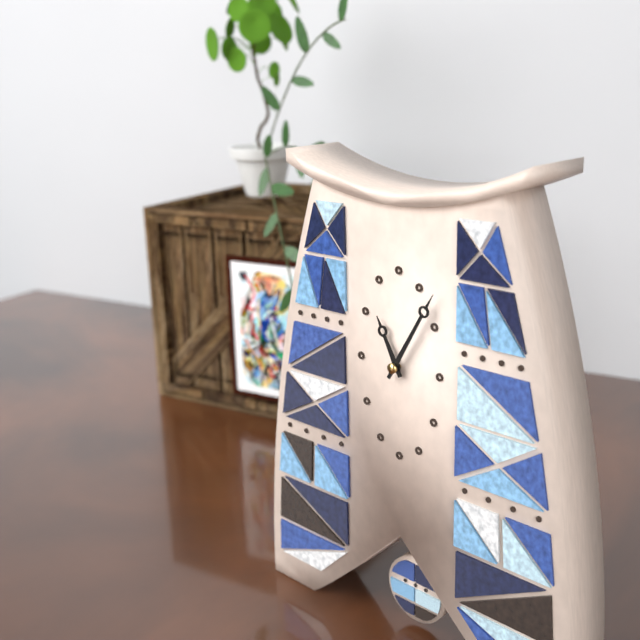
11:05
